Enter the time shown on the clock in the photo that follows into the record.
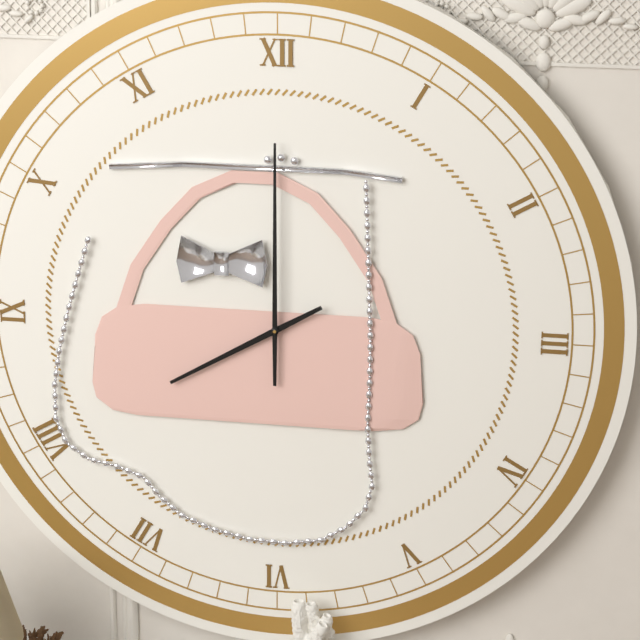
8:00
